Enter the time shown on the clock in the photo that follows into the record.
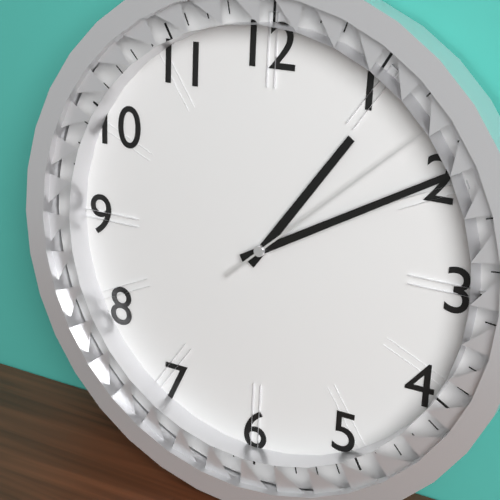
1:10:08
